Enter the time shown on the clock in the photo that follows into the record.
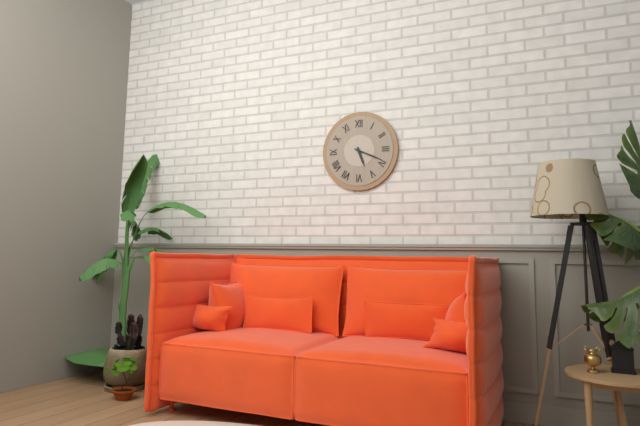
5:19
